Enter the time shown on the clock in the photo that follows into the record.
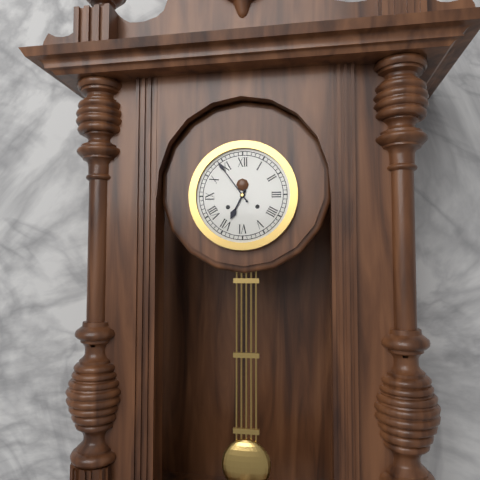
6:54
